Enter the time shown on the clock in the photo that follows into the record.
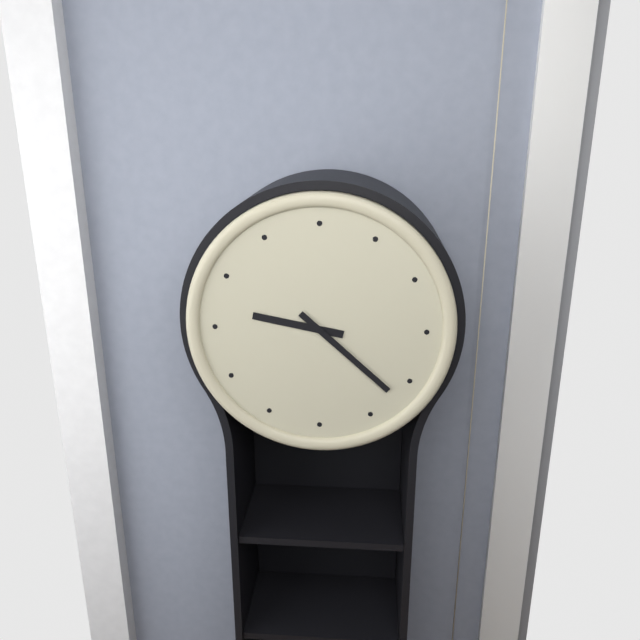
9:22
